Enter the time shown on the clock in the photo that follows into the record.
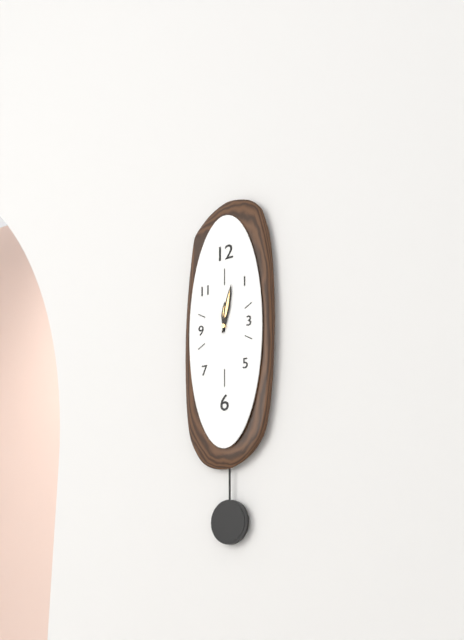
12:02
